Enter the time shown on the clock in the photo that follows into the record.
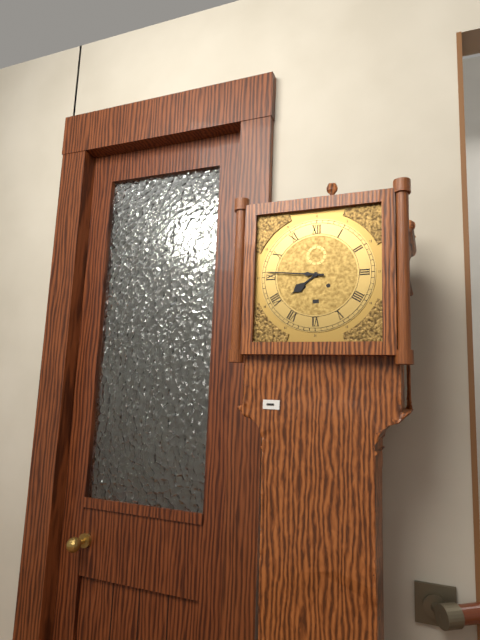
7:46
